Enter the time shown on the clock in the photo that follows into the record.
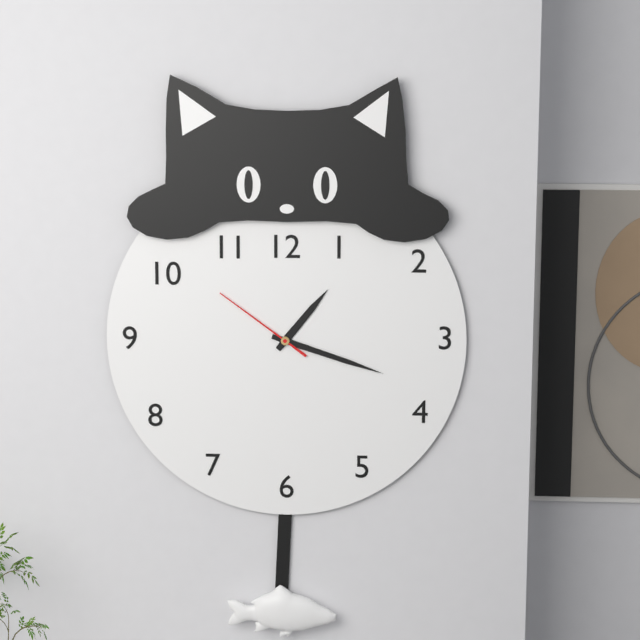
1:18:51
